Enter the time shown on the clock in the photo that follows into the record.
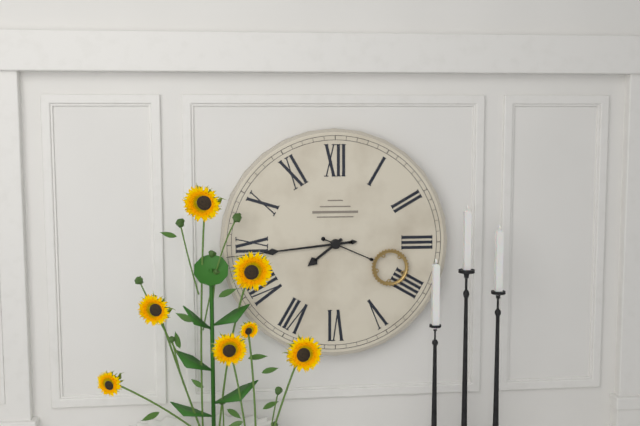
7:44:19
